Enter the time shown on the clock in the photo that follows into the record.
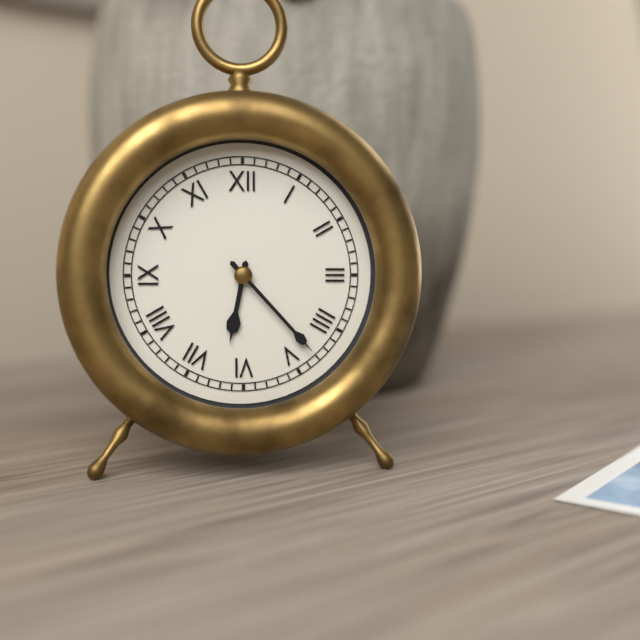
6:23
